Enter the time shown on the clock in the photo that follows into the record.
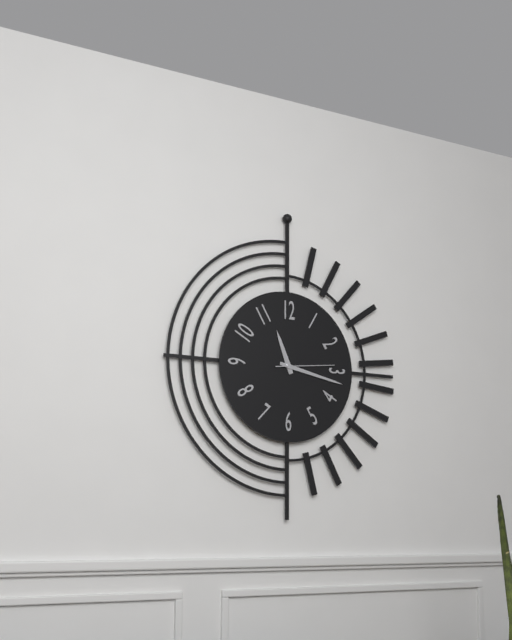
11:17:14
